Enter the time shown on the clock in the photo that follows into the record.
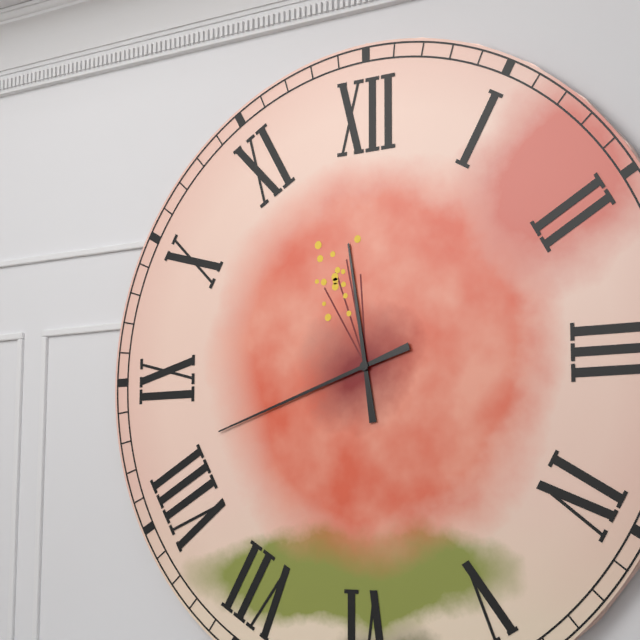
11:42
